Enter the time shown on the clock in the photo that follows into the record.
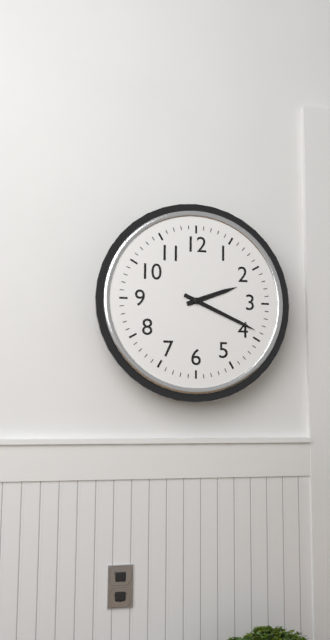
2:19
